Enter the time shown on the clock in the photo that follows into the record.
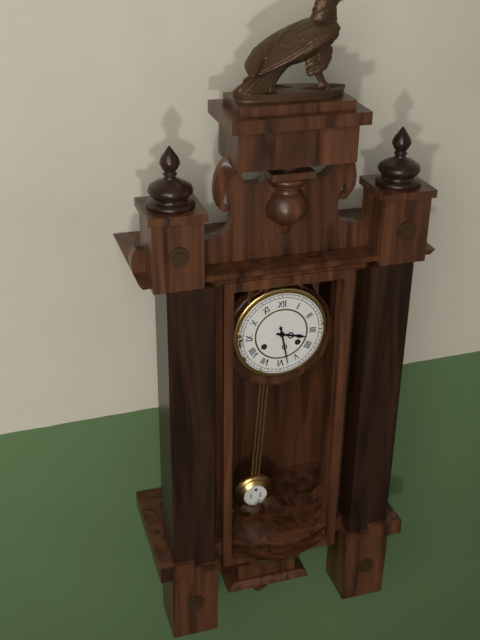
3:28
